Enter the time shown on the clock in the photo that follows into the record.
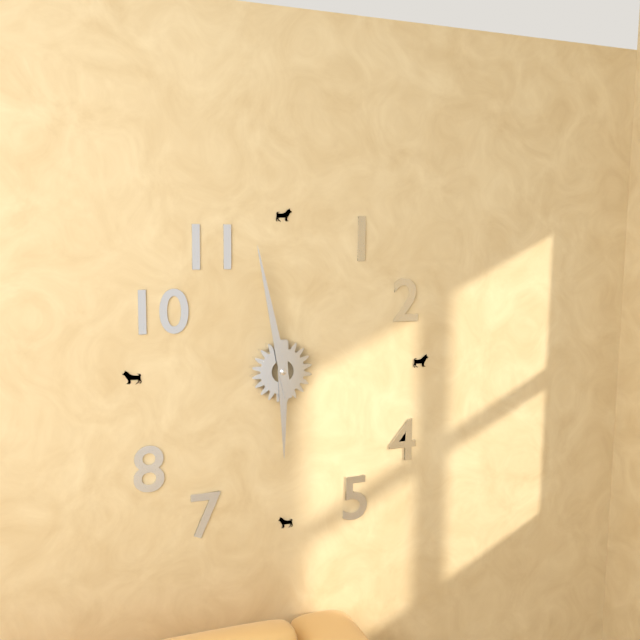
5:58
